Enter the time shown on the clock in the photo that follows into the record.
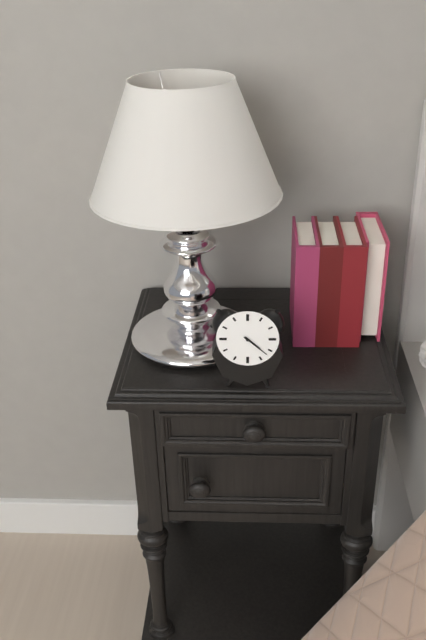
4:22
